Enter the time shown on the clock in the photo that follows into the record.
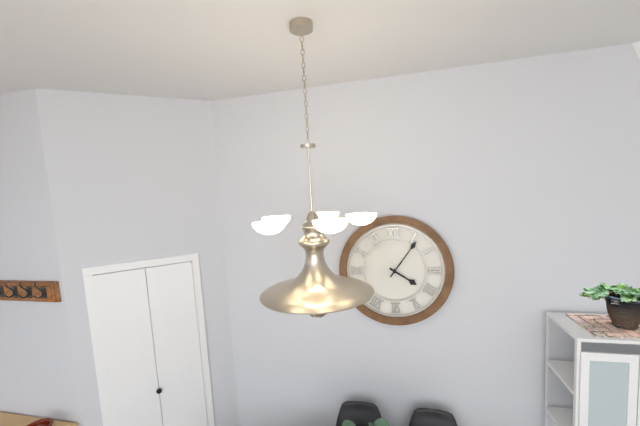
4:06
